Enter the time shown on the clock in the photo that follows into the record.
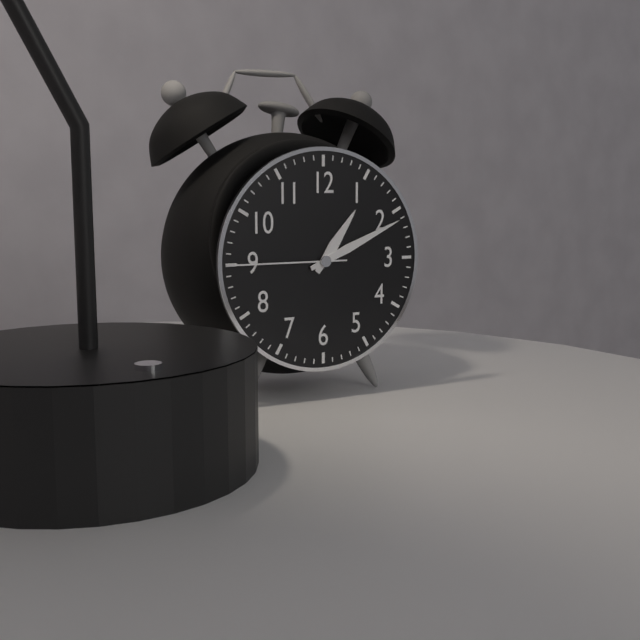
1:11:45
